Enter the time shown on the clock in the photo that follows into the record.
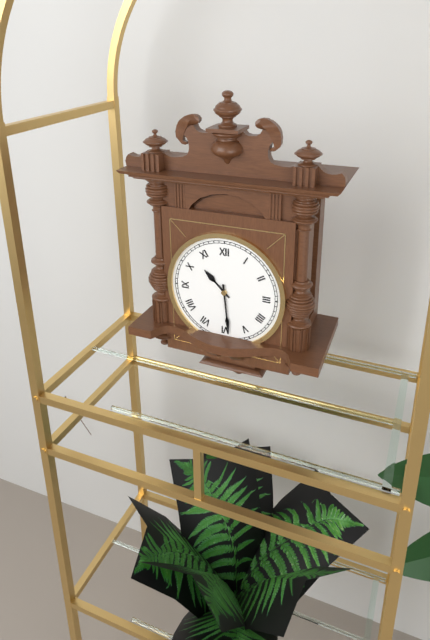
10:29
